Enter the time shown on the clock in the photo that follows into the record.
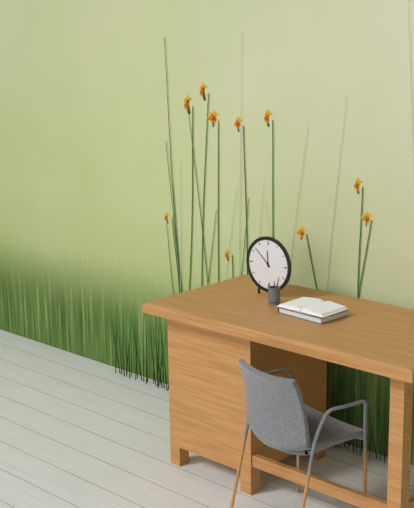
11:52
